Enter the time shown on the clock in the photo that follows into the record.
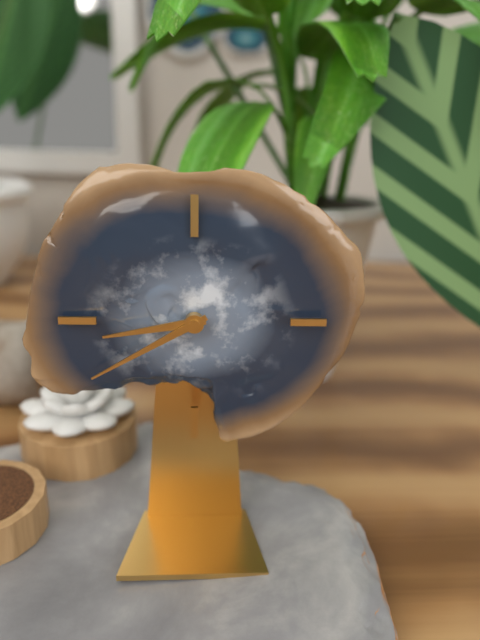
8:40
